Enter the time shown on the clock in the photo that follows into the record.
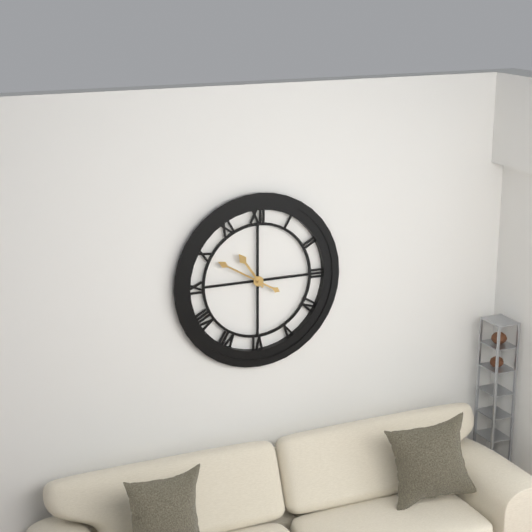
10:50
